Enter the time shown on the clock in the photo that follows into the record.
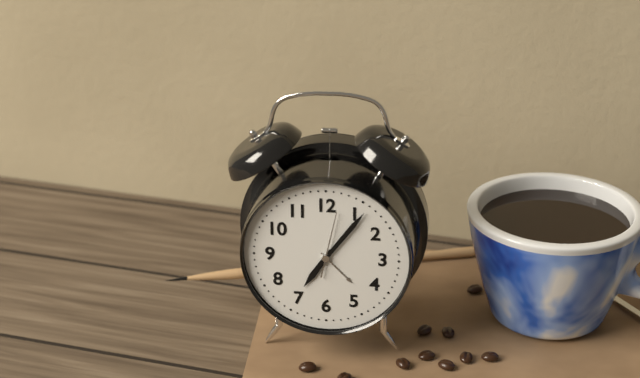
7:06
